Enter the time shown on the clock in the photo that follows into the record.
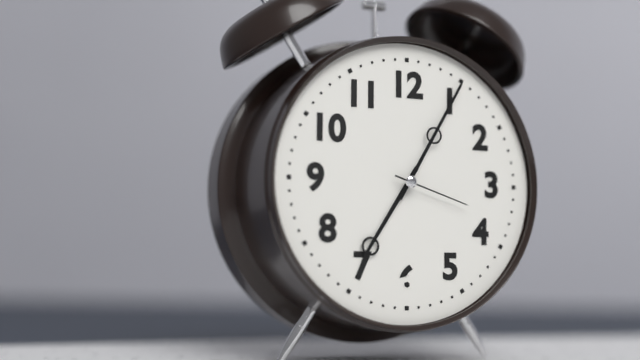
7:05:18
